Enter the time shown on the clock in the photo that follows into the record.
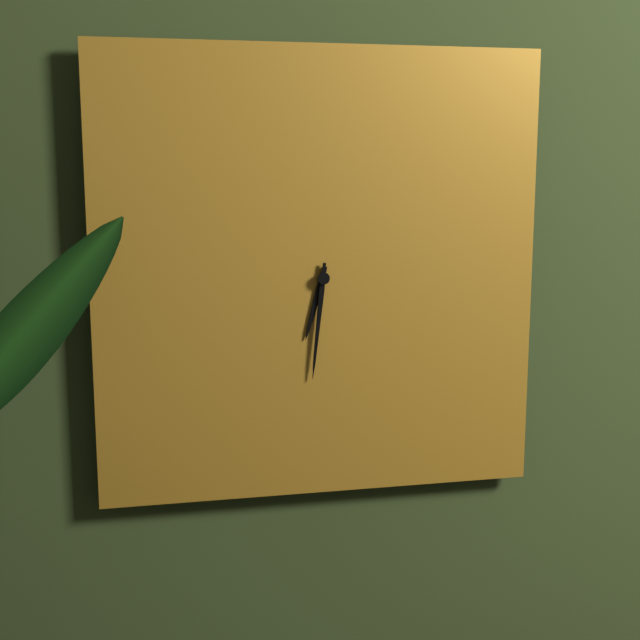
6:31
